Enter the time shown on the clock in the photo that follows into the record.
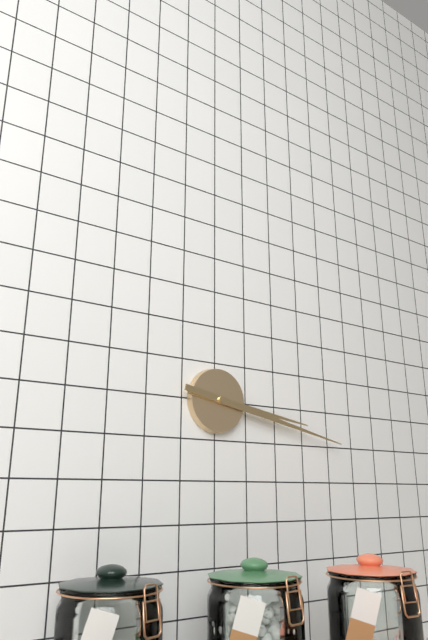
3:17
